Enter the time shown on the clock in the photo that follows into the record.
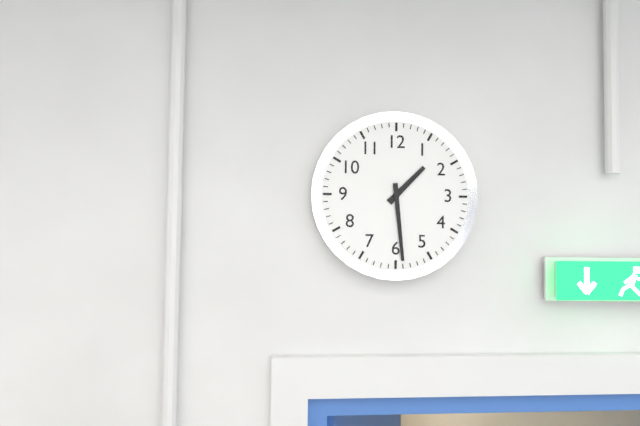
1:29
